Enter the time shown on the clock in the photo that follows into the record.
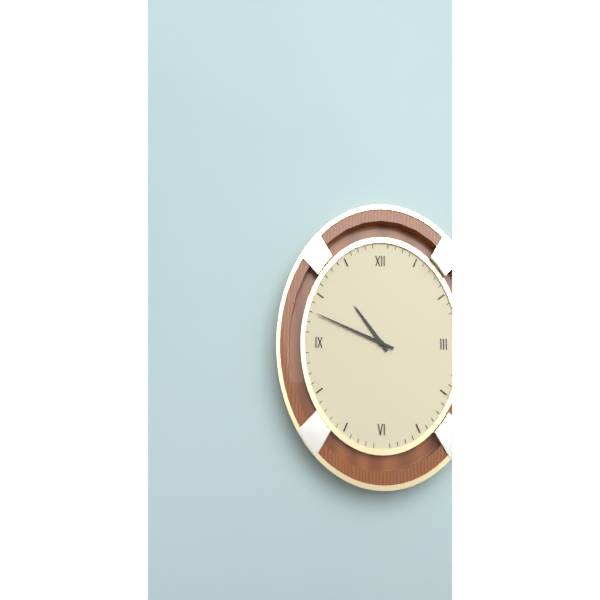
10:49
